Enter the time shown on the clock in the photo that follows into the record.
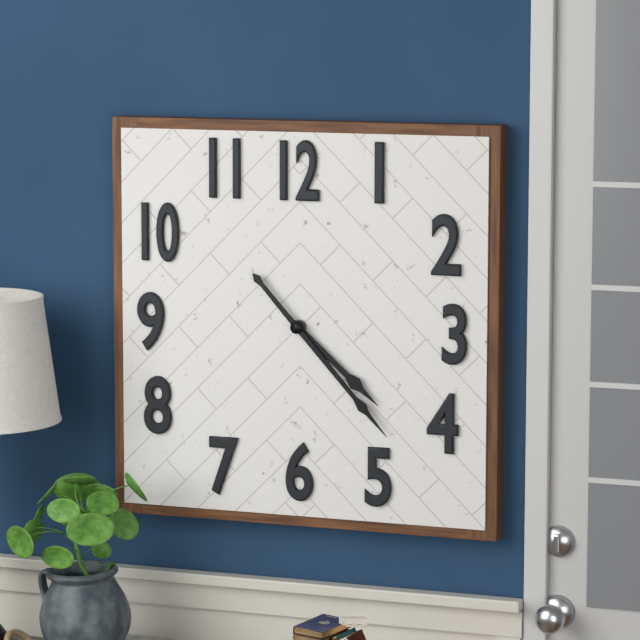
4:23
